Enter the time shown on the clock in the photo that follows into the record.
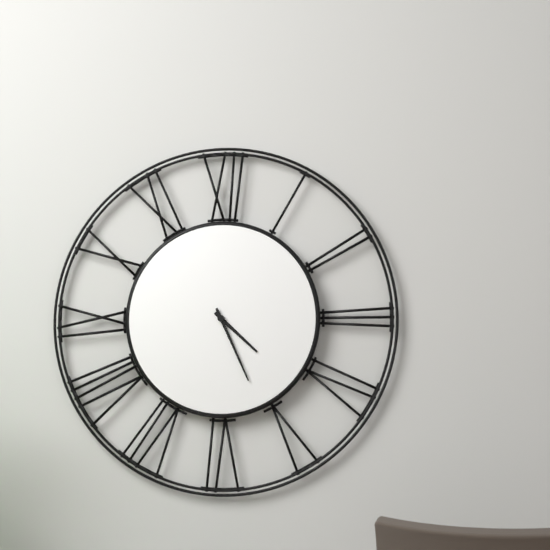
4:26
